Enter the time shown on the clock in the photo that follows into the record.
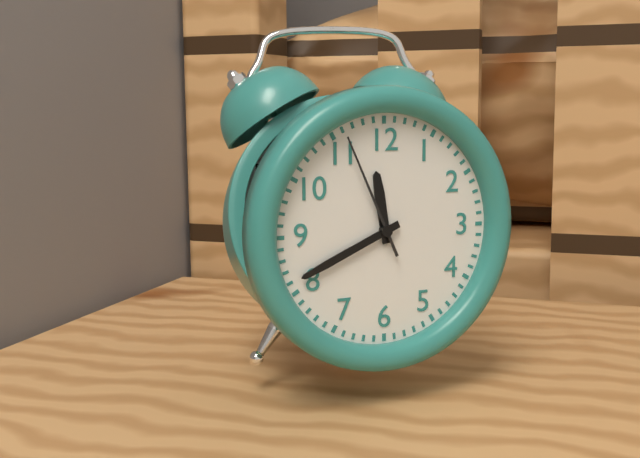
11:41:56
